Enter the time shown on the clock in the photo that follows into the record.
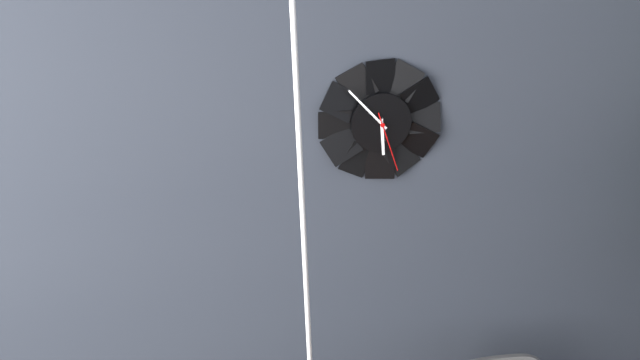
5:53:27
